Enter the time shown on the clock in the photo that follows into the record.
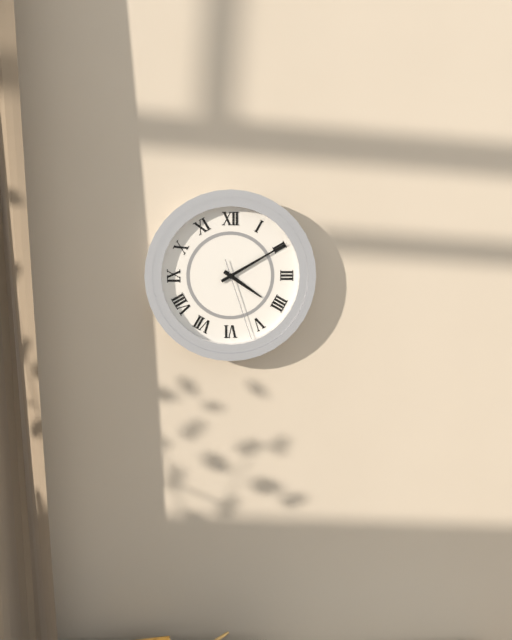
4:10:27
